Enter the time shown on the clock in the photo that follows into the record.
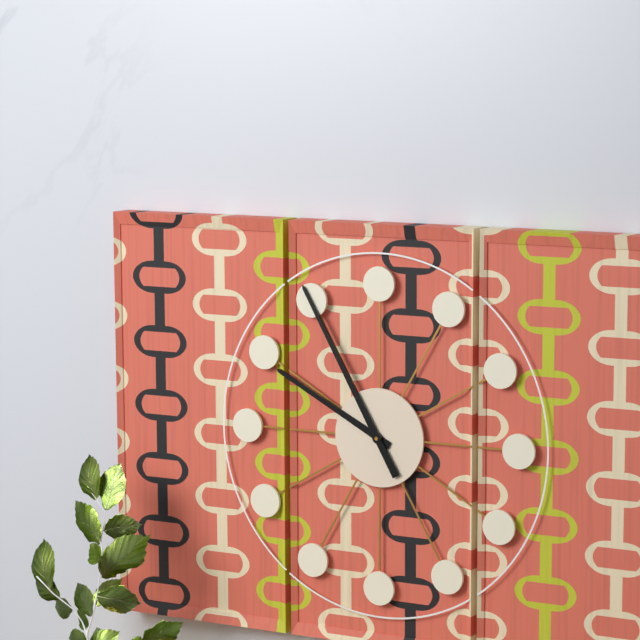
9:55
